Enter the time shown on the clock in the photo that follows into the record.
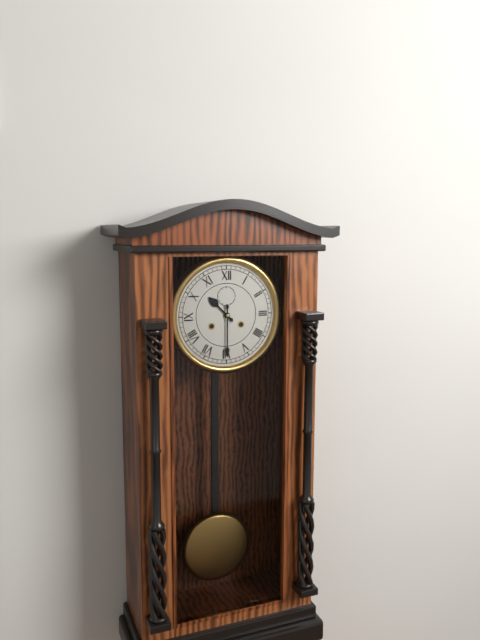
10:30
